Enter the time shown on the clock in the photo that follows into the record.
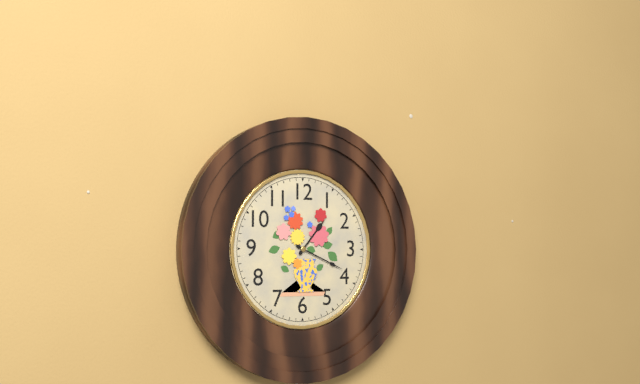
1:19
